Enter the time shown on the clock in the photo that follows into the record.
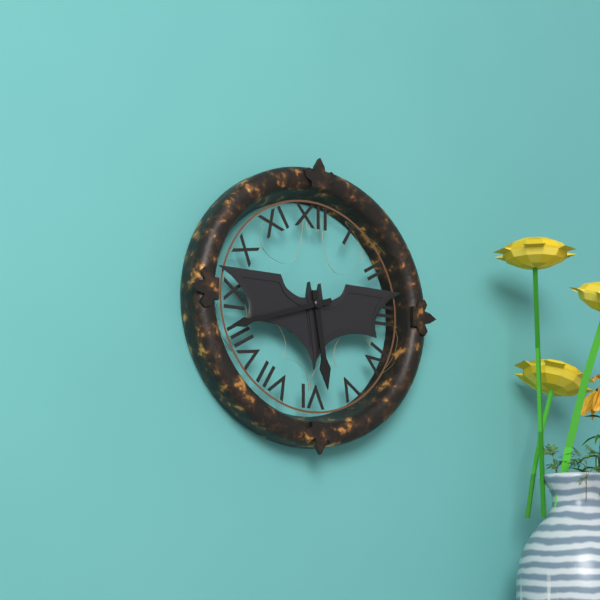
5:42
